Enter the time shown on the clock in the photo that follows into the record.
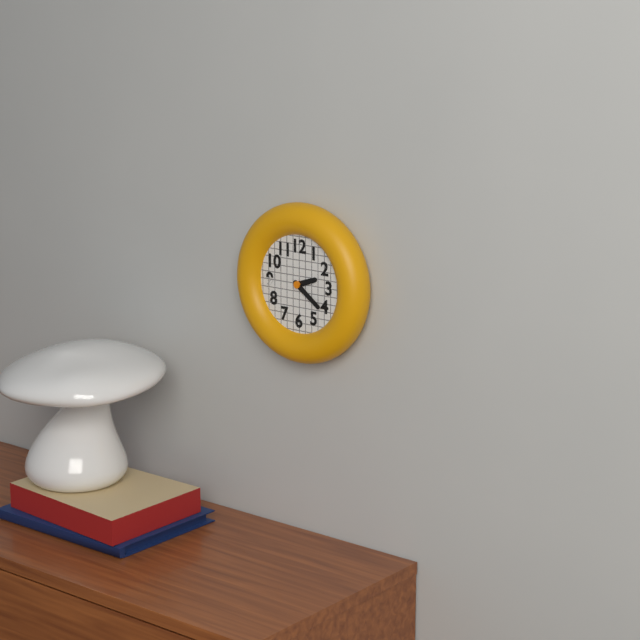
2:21
